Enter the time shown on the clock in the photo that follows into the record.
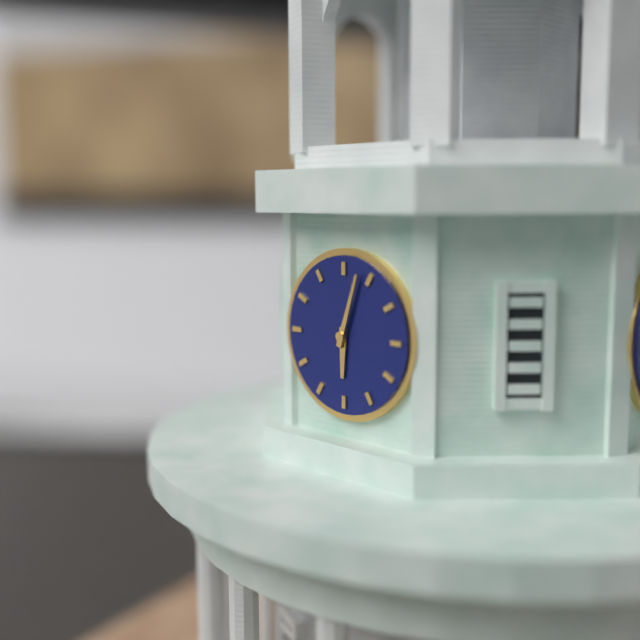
6:03
